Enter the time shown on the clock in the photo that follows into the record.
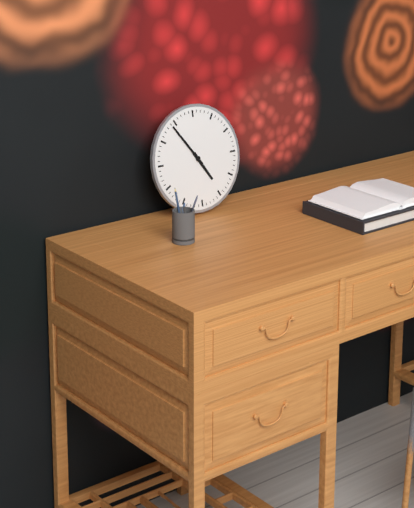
4:54
